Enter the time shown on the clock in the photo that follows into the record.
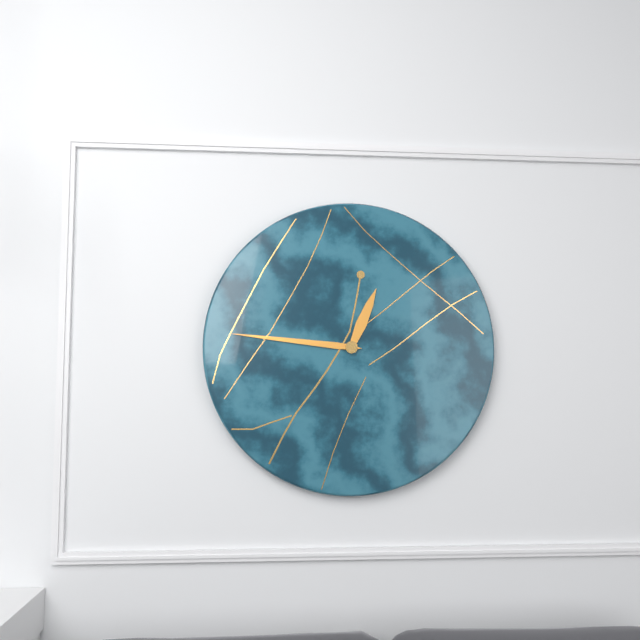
12:46
